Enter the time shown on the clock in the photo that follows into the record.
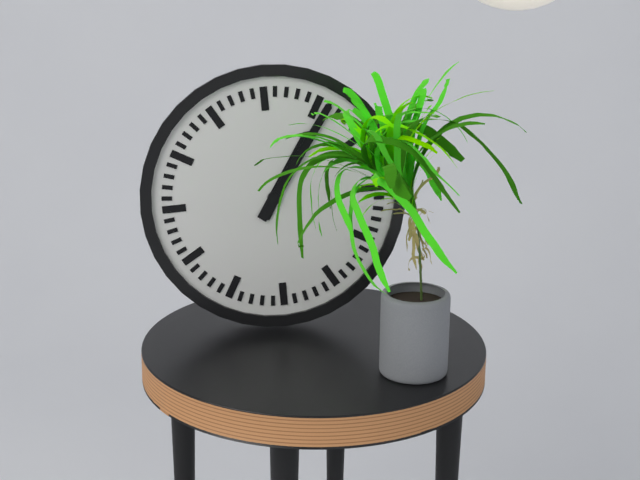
1:06
